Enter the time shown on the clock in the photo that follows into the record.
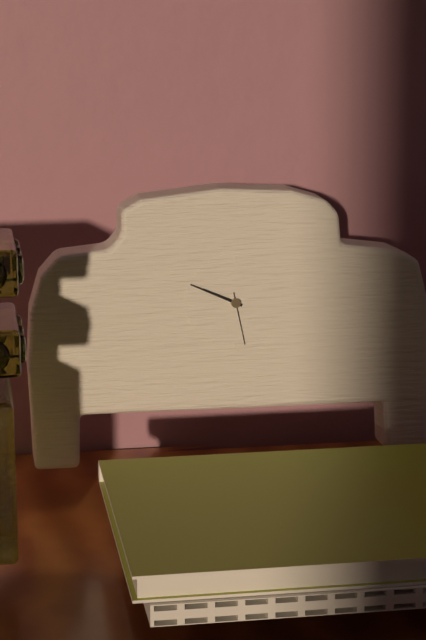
9:49:28
